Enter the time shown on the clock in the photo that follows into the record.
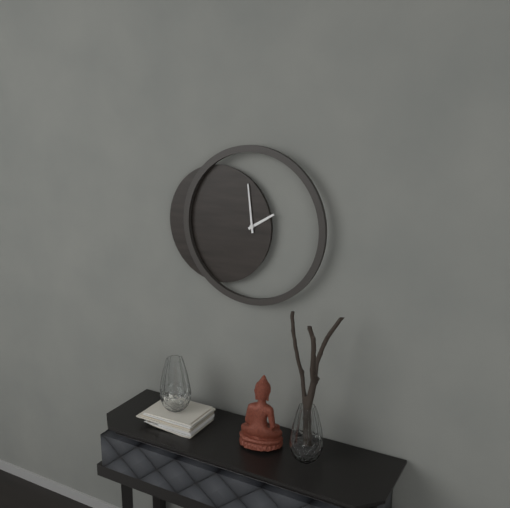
1:59
